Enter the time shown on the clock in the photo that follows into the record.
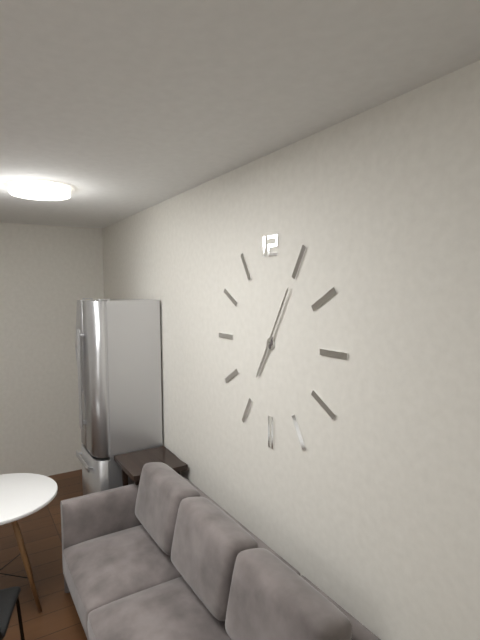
7:05
